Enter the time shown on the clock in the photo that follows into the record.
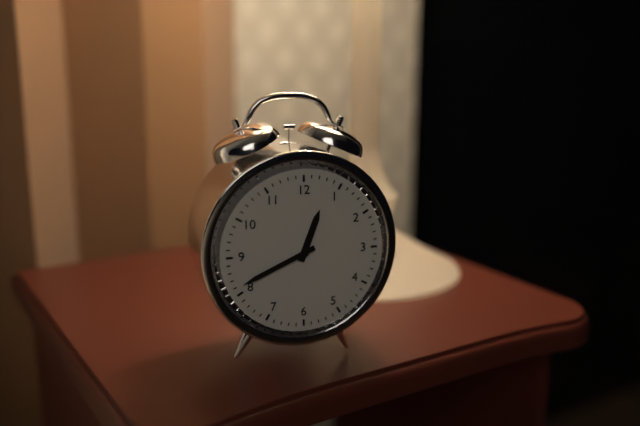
12:41
